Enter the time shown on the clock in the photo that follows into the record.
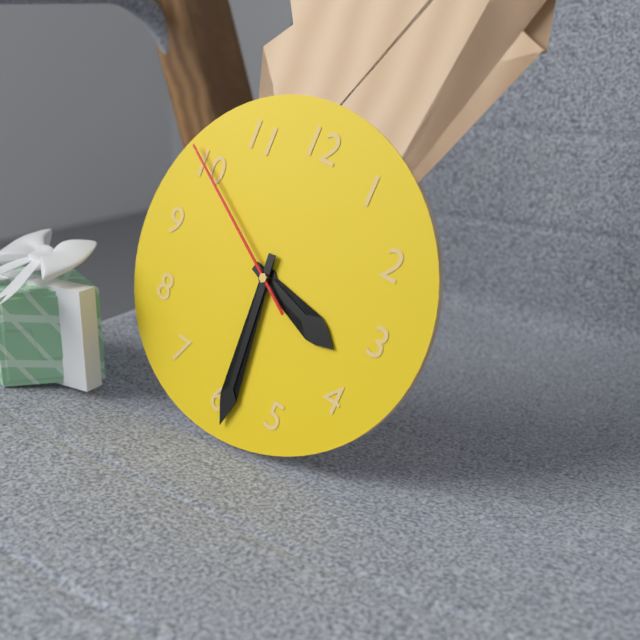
3:29:50
